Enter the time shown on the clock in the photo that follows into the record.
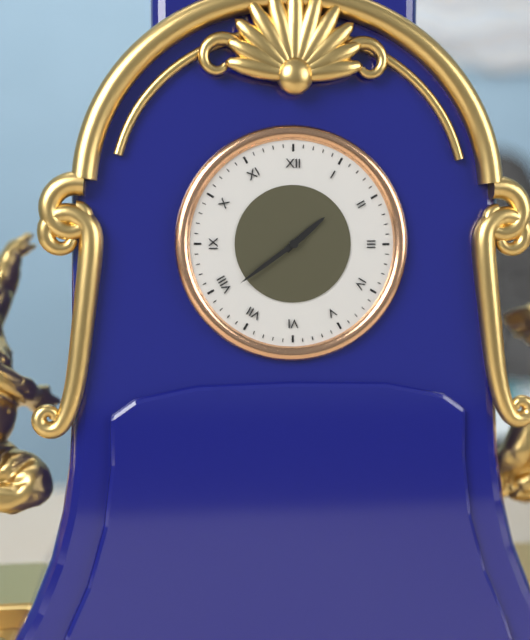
1:39
